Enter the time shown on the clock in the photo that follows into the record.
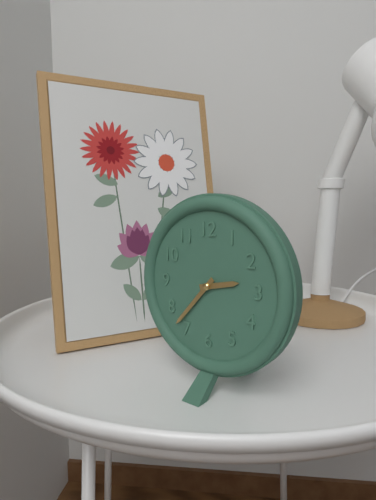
2:37
